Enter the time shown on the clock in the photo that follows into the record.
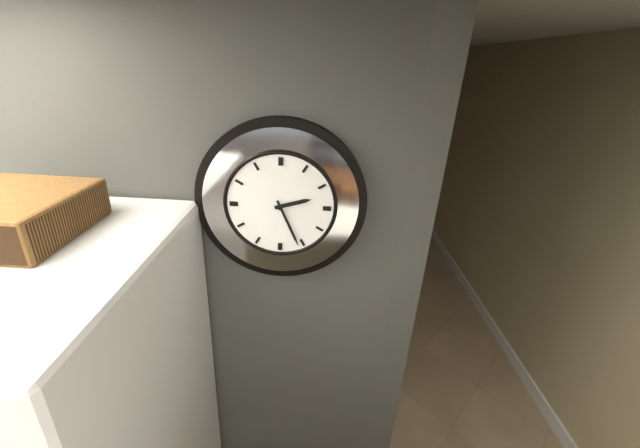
2:26
